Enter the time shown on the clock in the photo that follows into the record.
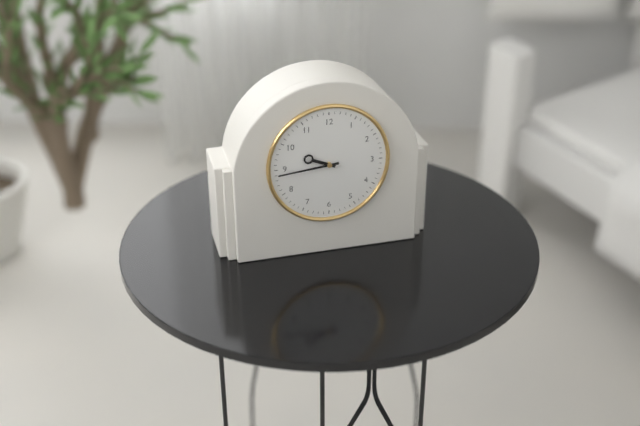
9:44
